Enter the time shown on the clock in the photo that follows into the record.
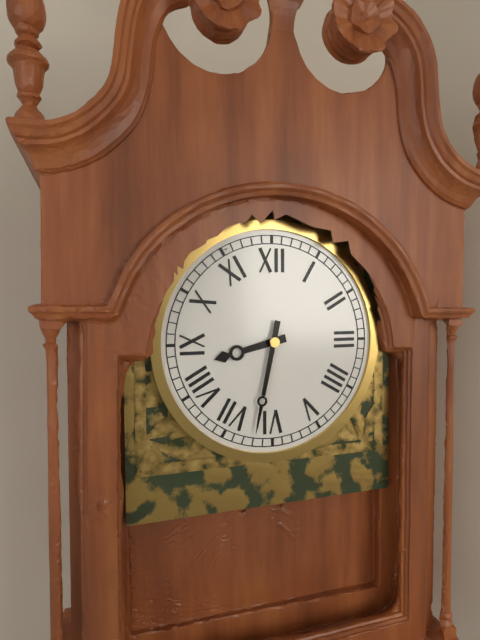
8:32
